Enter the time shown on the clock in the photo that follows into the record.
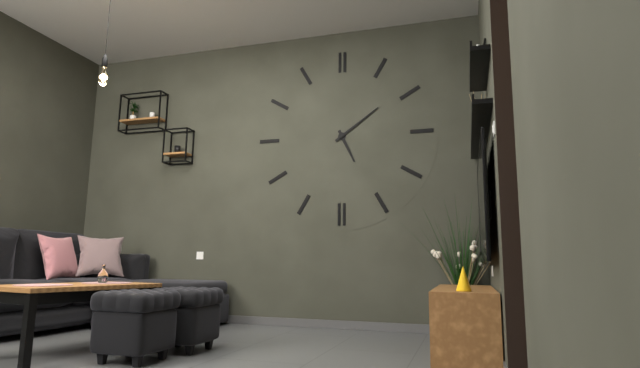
5:09
